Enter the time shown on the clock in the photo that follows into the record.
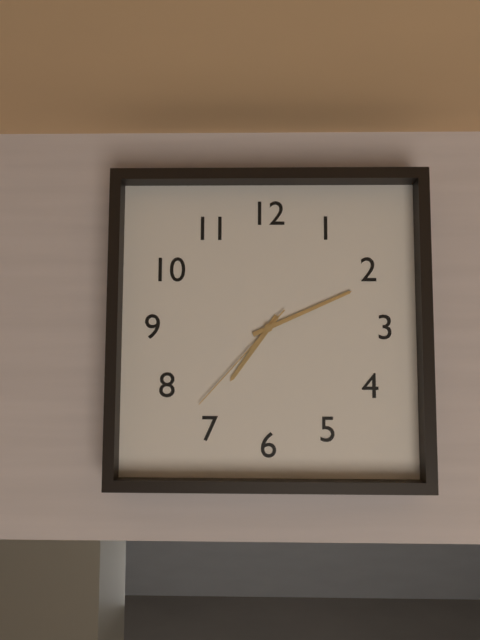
7:11:37
